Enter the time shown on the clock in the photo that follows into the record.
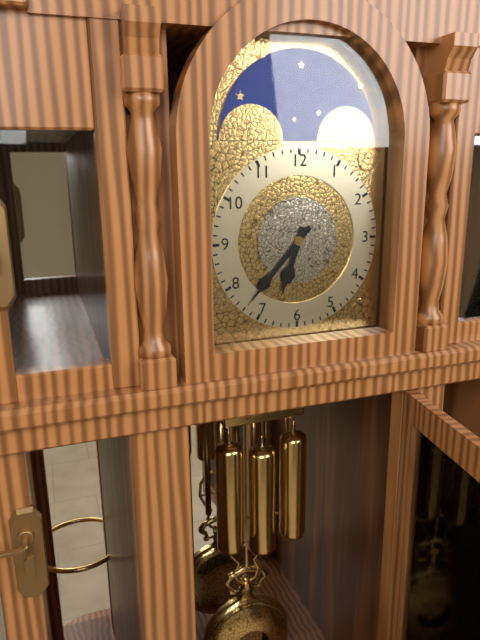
6:37
